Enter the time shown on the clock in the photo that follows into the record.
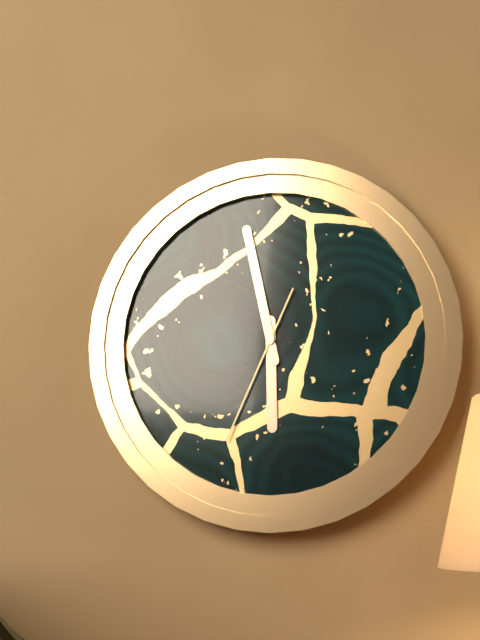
5:58:34
